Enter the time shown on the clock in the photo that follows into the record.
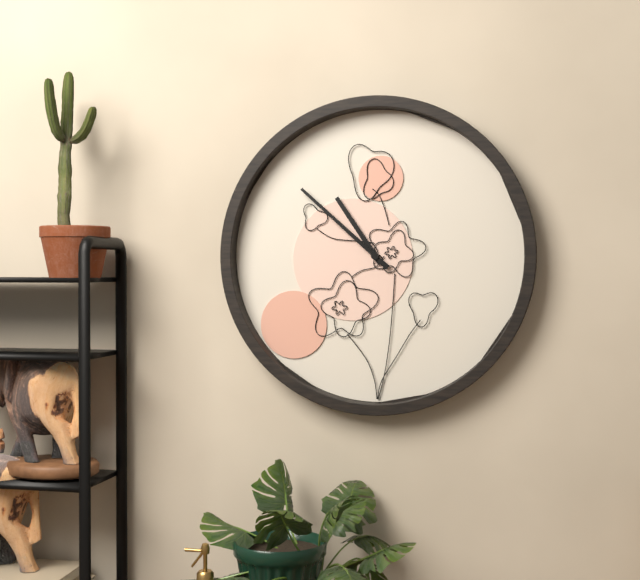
10:52
